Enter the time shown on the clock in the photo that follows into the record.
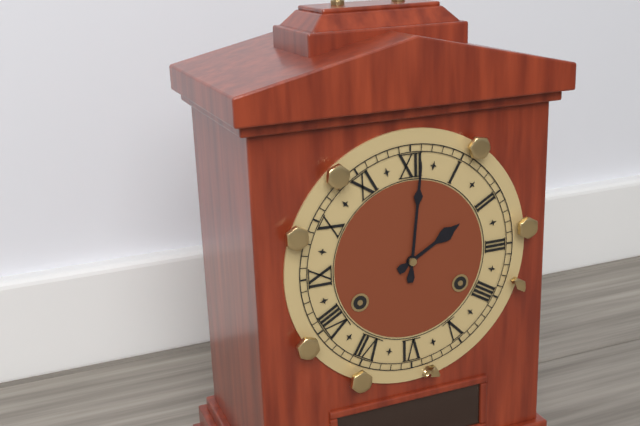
2:01
